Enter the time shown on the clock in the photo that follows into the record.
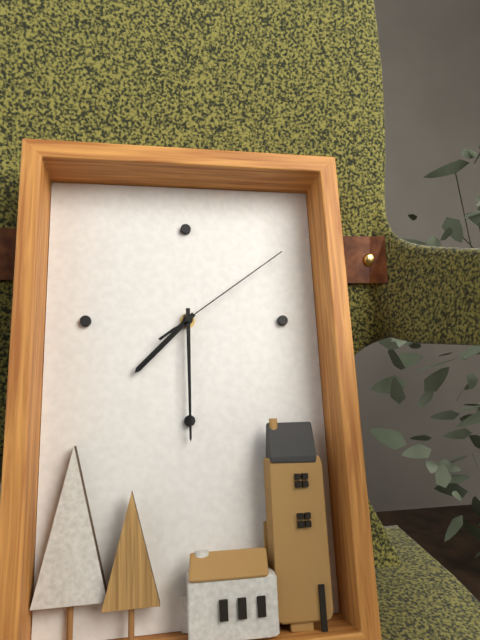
7:30:09
